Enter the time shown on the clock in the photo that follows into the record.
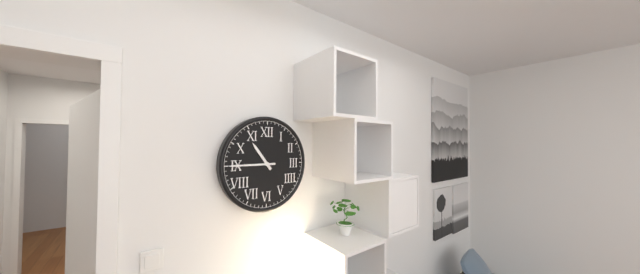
10:45
